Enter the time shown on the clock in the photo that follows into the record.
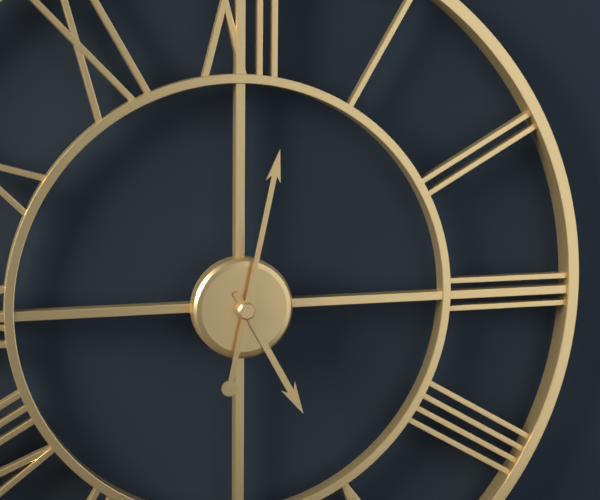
5:02
